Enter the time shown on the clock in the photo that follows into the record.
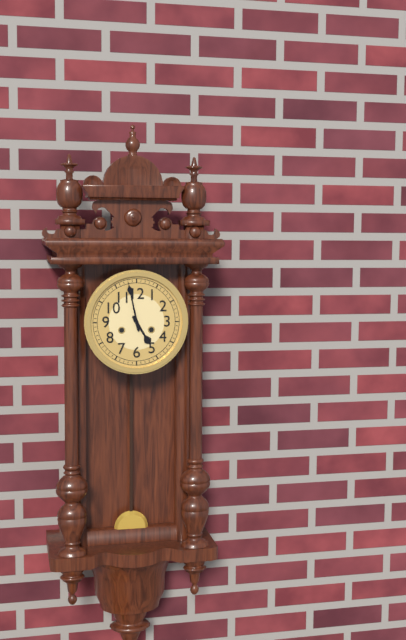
4:58
